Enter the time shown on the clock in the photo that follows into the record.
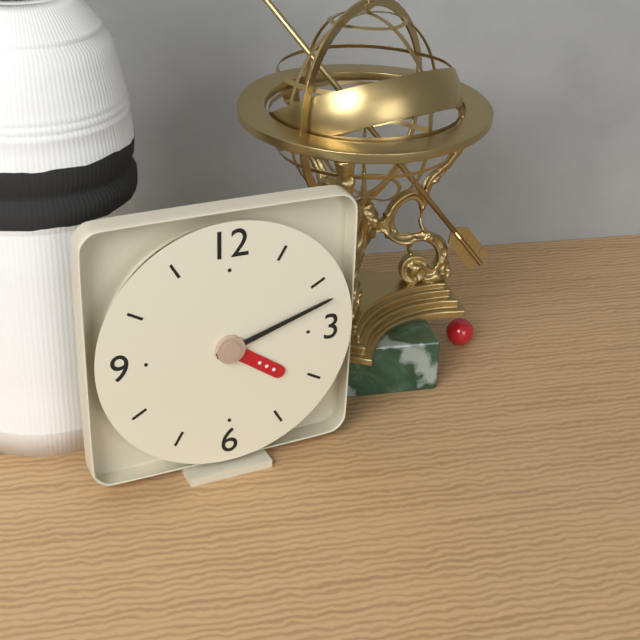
4:12
